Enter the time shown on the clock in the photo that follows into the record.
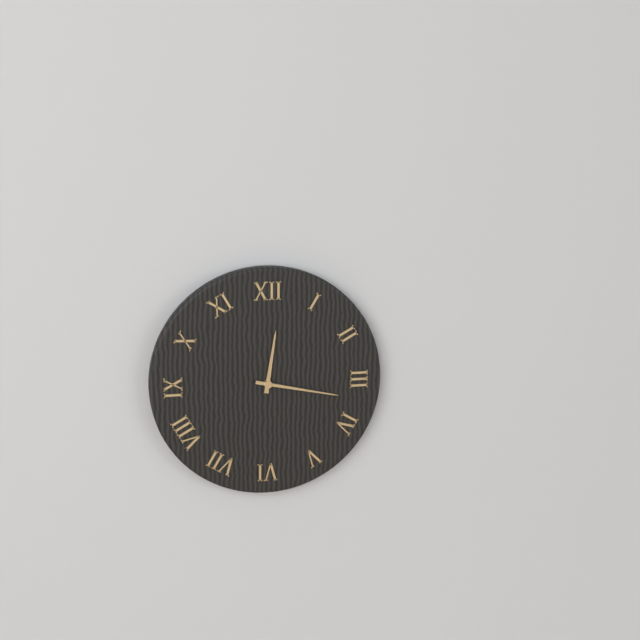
12:17
